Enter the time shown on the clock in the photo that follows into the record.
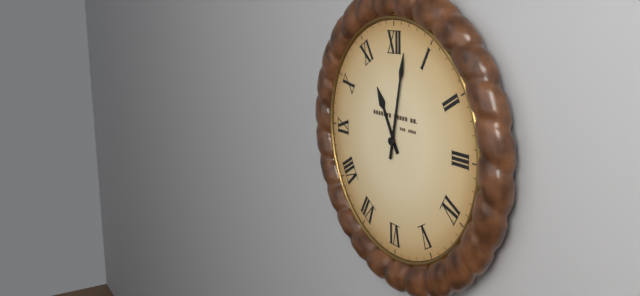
11:02
